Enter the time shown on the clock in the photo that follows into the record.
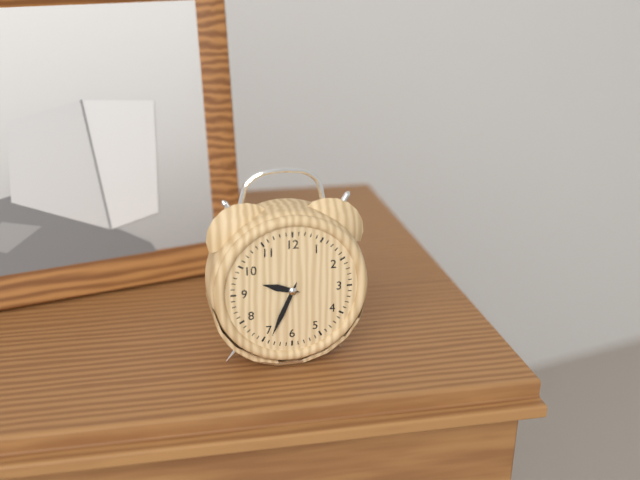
9:34
